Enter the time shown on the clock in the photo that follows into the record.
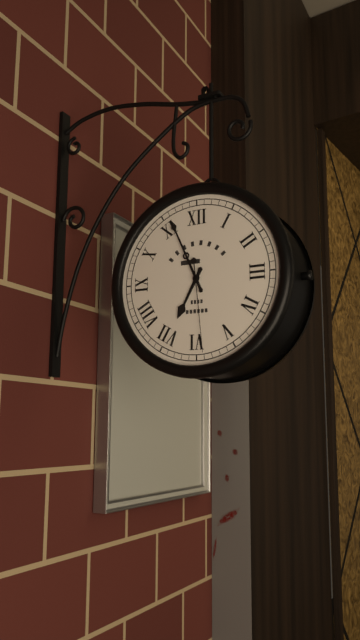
6:56:29
